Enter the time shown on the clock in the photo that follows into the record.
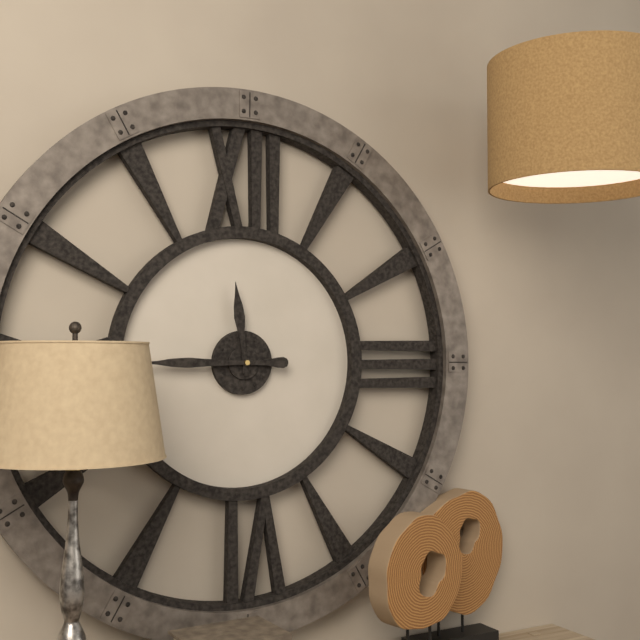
11:45
